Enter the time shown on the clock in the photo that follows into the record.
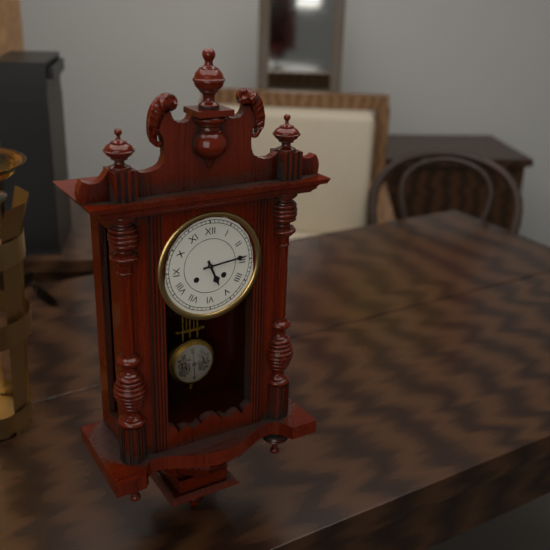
5:14
